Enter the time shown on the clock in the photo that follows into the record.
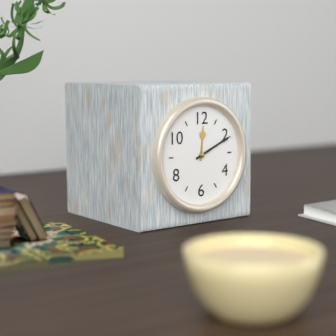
12:11
